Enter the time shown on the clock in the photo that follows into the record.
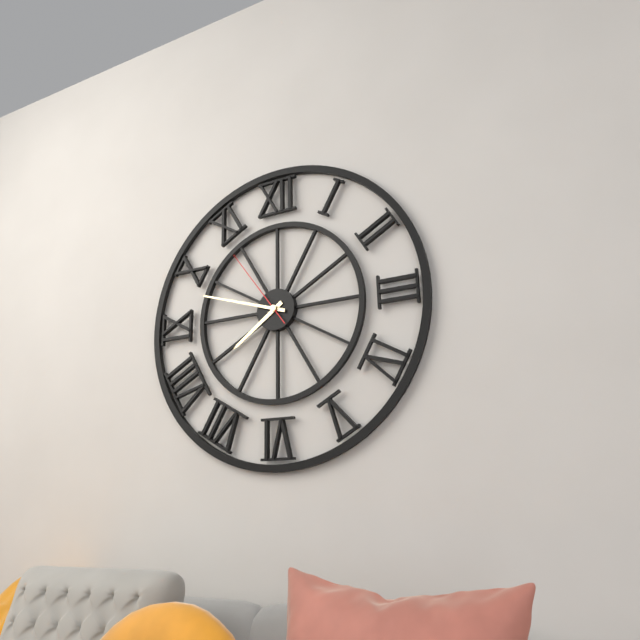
7:48:54
